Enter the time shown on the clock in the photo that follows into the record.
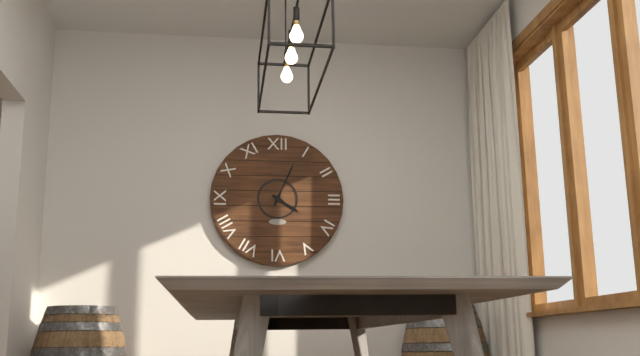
4:04
